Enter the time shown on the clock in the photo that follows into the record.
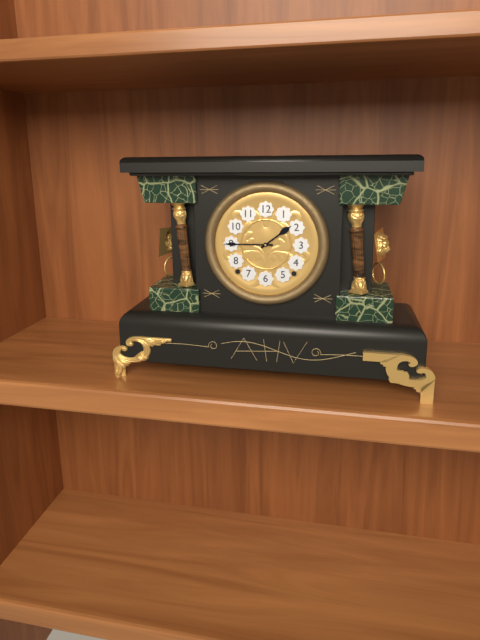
1:45
